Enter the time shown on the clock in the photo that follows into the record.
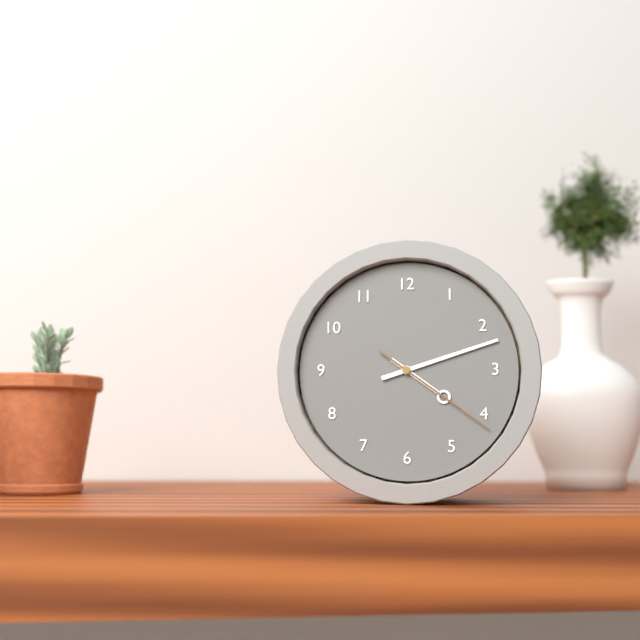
4:12:21
